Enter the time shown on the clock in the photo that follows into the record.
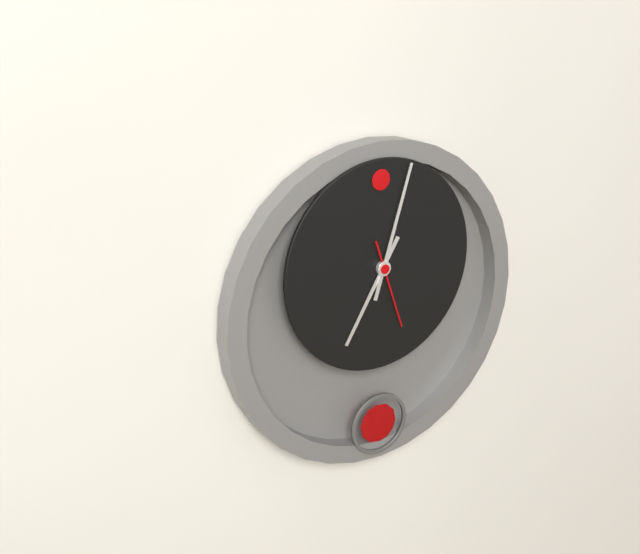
7:03:27
